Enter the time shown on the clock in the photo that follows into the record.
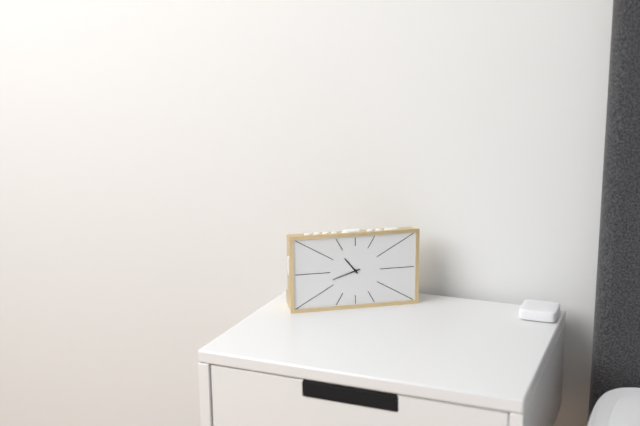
10:42
